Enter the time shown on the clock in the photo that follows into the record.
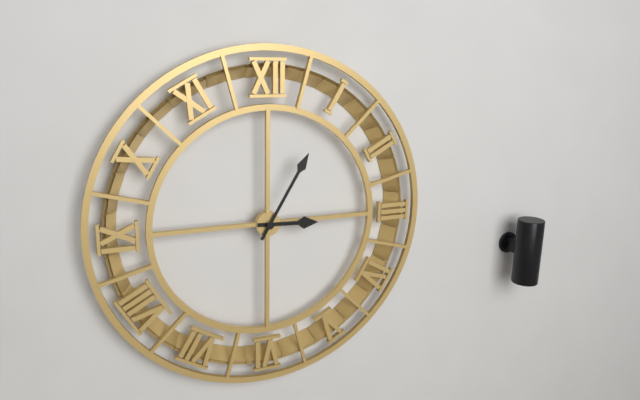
3:05
